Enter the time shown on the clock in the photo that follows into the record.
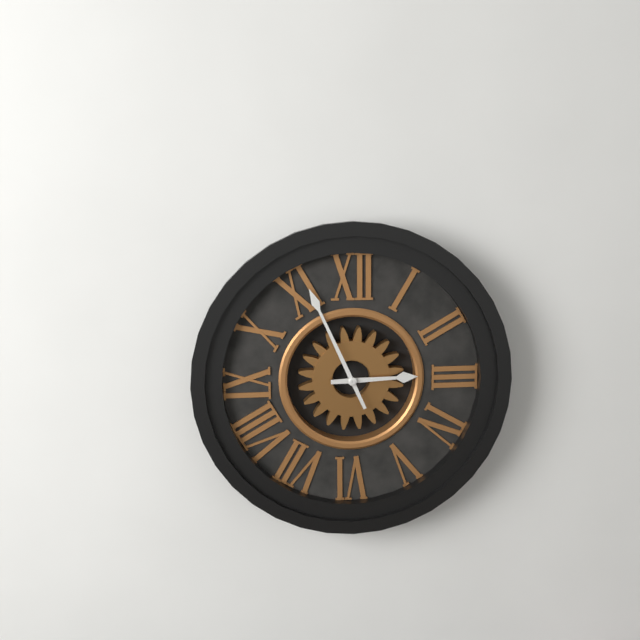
2:56
